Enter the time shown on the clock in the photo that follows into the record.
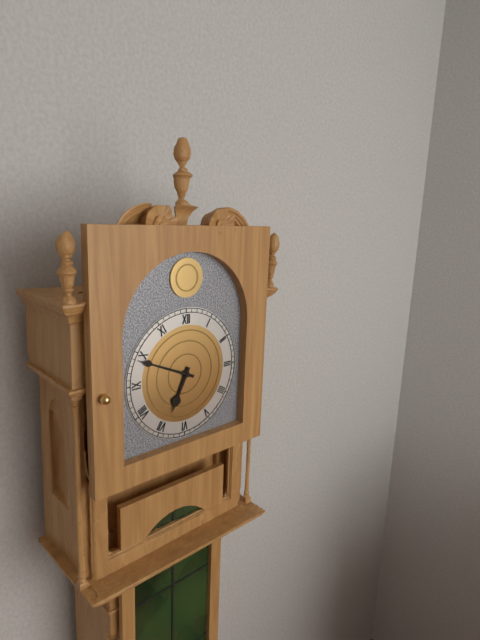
6:49
